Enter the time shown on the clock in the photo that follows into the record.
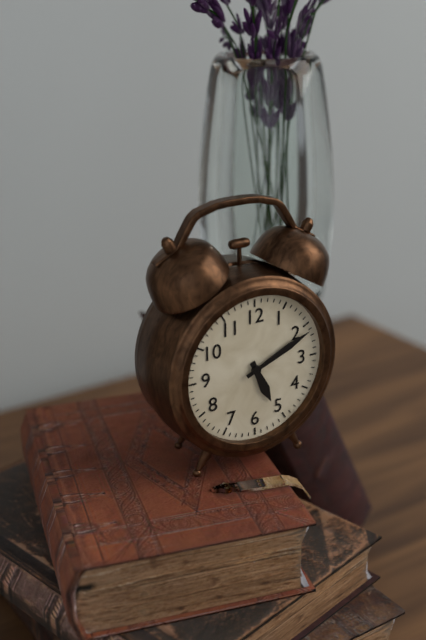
5:11
